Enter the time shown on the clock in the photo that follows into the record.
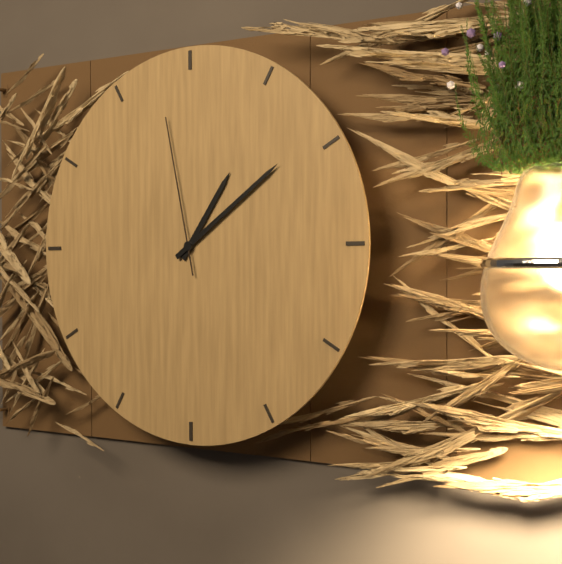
1:09:58
